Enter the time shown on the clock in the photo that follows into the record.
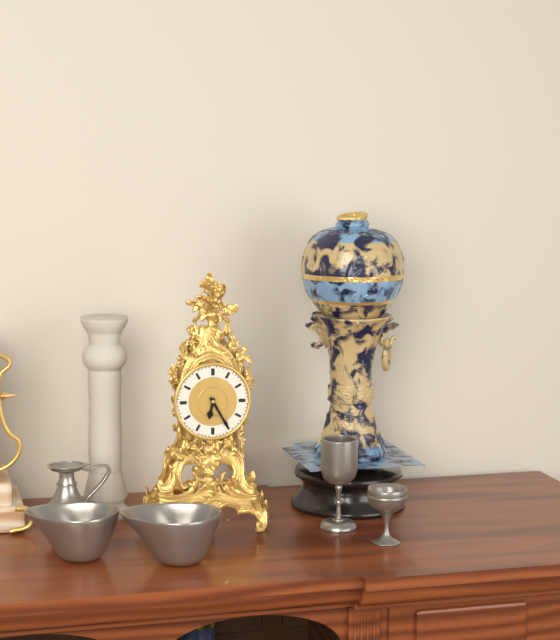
6:25
